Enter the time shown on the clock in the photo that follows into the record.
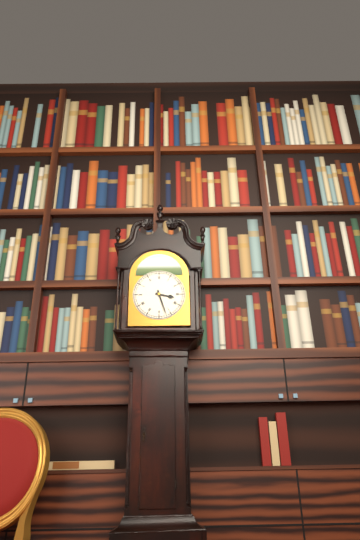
3:27
